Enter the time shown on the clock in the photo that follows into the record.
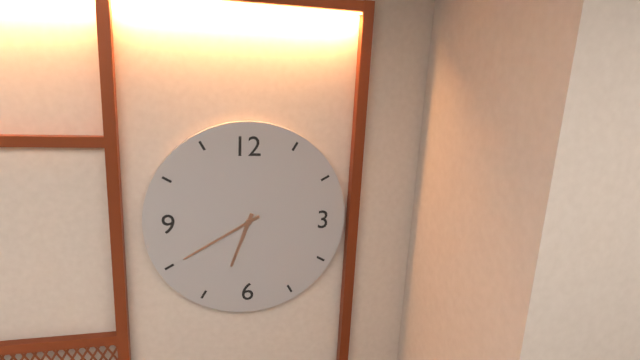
6:40
